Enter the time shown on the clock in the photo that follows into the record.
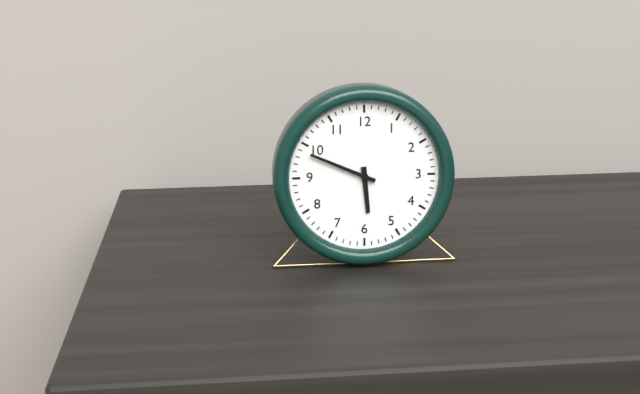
5:49
